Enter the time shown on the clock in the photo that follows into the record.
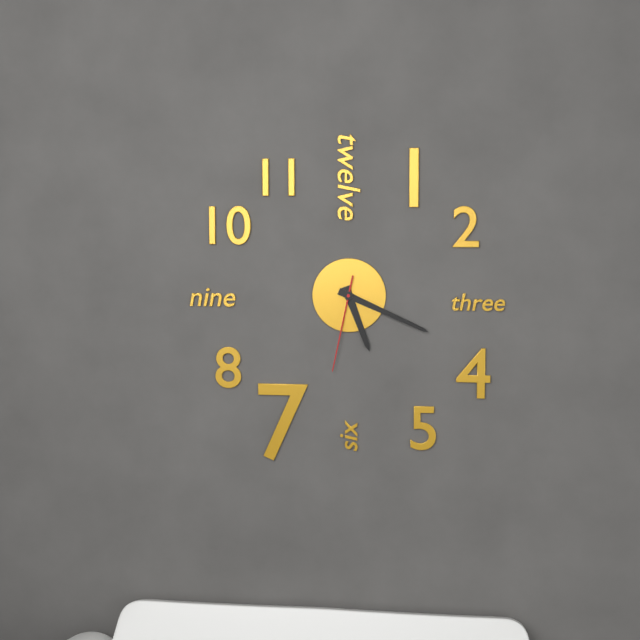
5:19:32
